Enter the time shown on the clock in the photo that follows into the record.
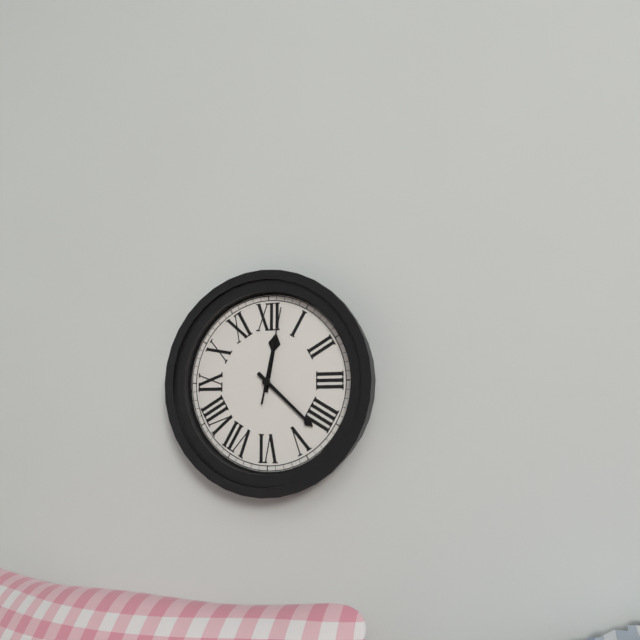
12:22:02
